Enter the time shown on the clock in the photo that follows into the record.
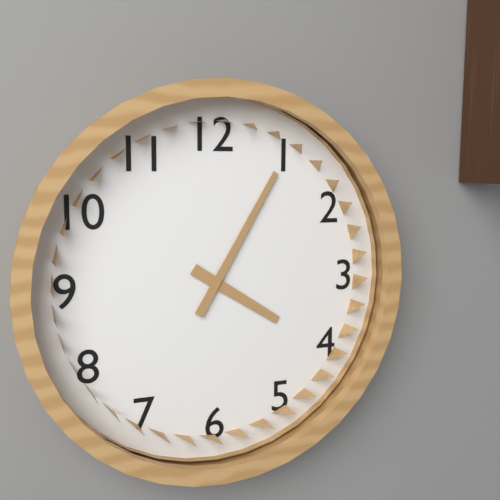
4:05
